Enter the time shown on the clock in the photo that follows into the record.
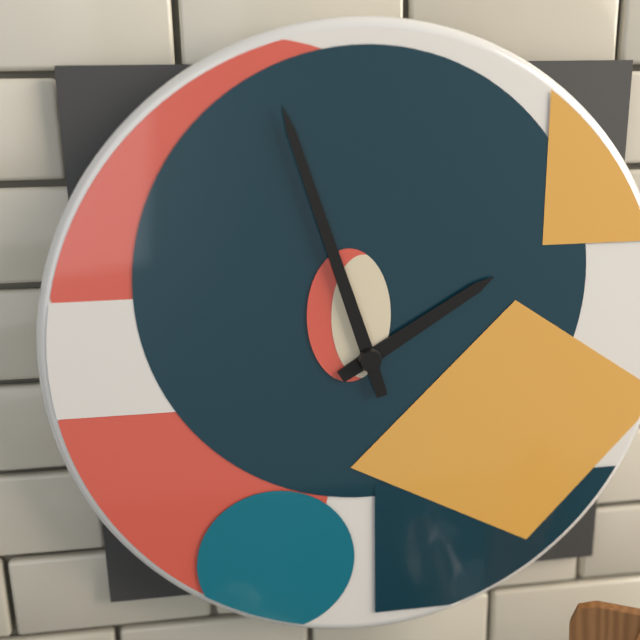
1:57
